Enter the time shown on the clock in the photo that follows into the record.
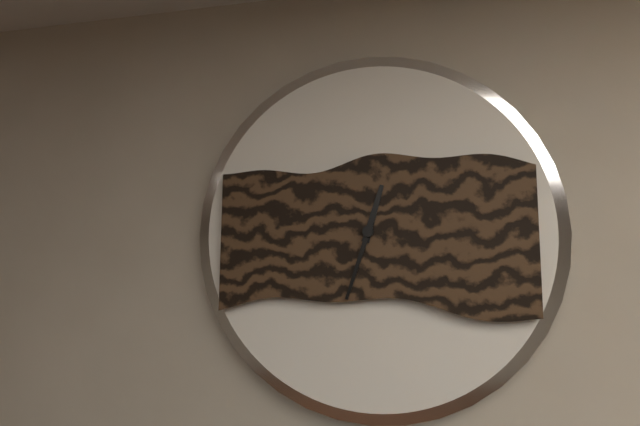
12:33
